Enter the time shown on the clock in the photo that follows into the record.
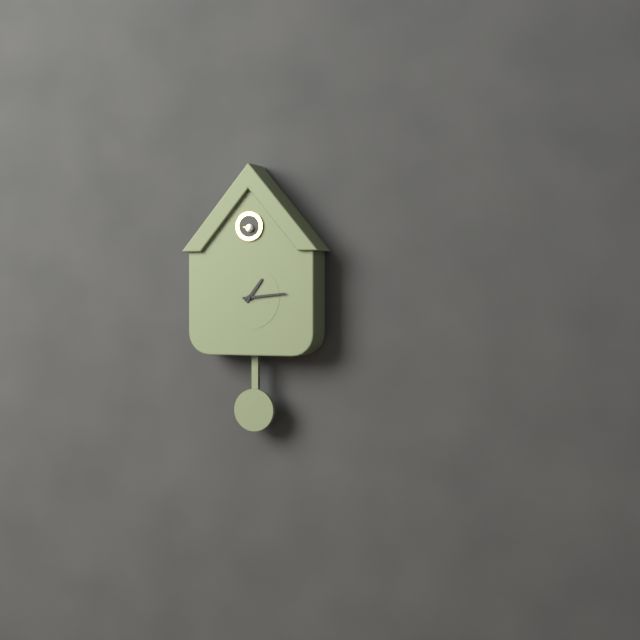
1:14
